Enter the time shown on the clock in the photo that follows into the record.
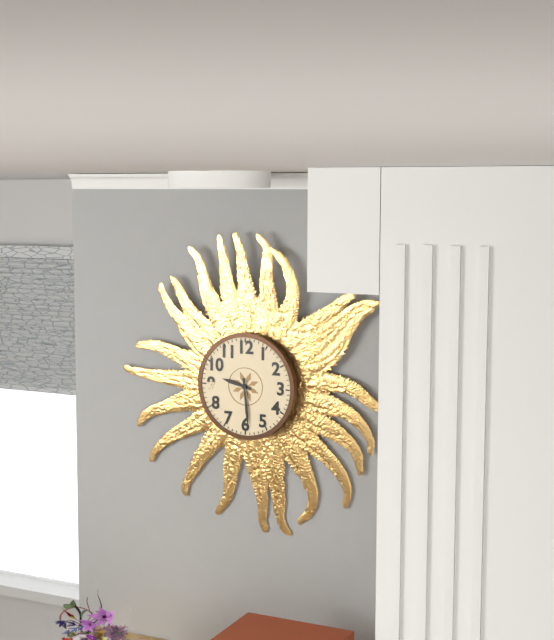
9:29
